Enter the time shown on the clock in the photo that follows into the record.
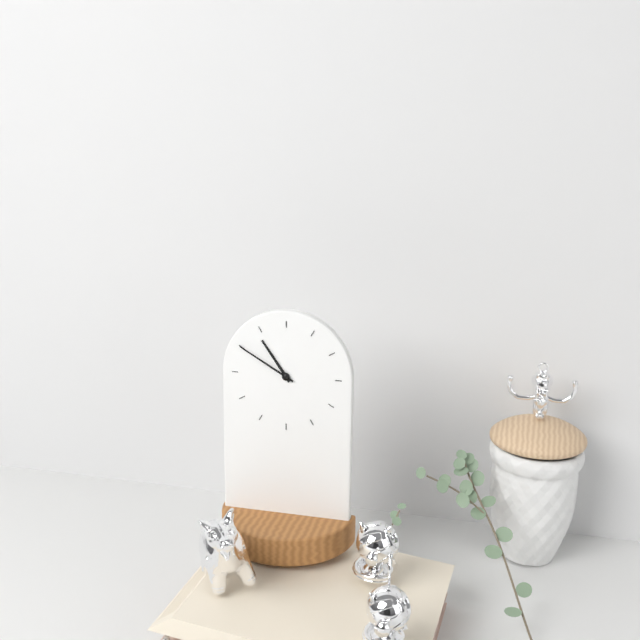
10:50
